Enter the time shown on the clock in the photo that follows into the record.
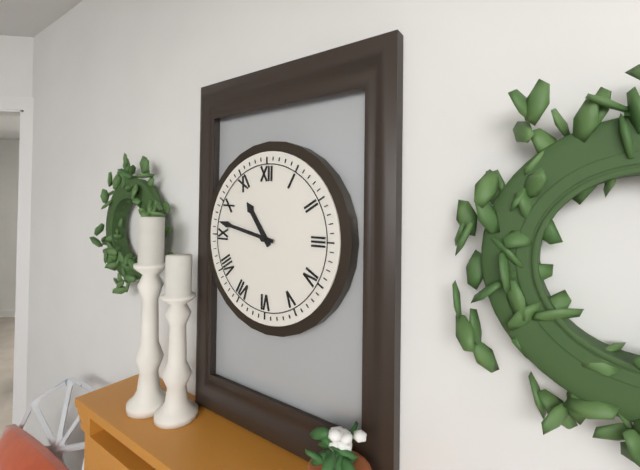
10:47
